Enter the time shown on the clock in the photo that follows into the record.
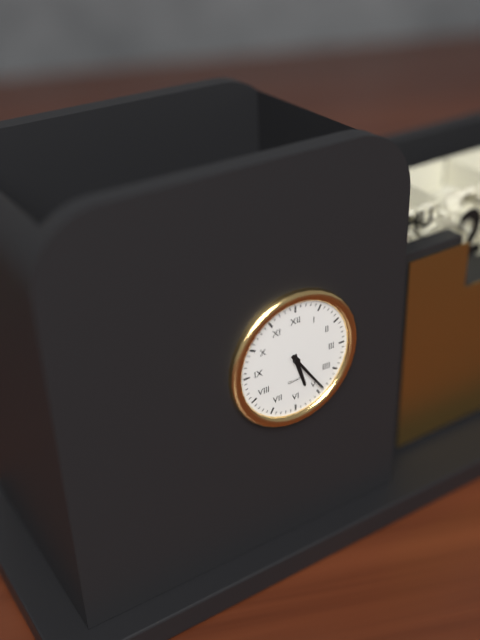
5:24
